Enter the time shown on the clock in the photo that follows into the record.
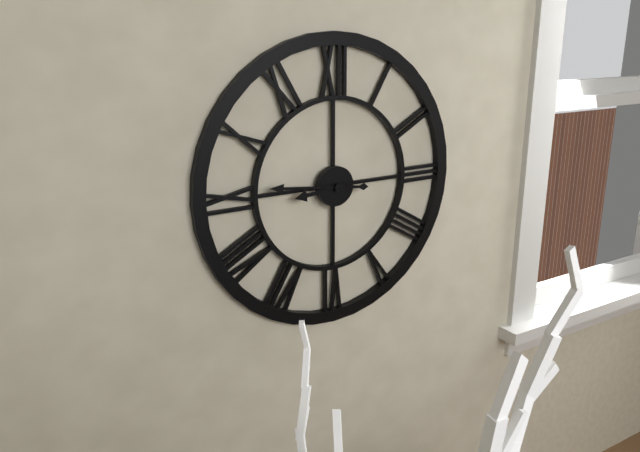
8:46
